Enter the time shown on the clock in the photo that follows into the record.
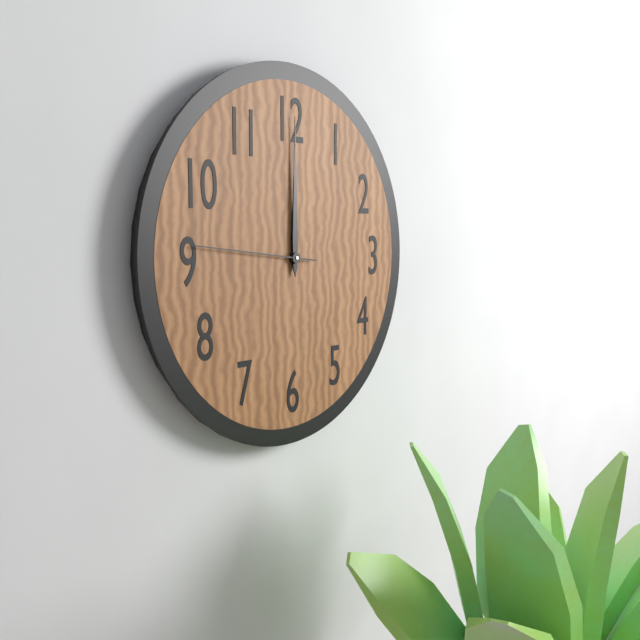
12:00:46
